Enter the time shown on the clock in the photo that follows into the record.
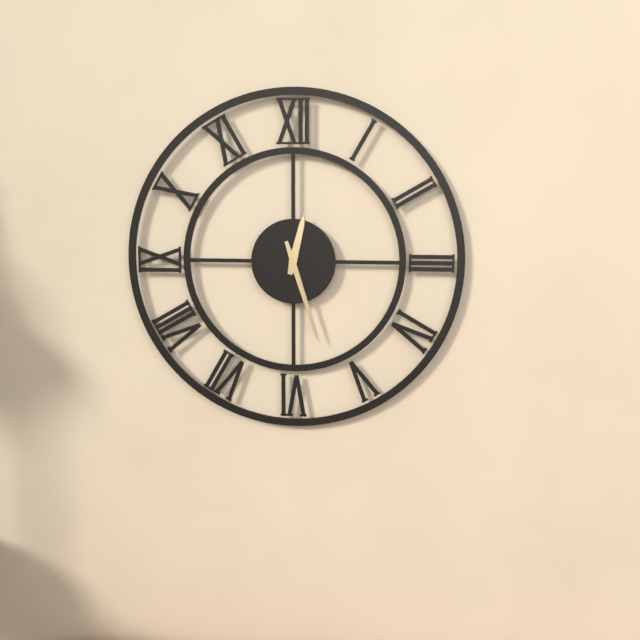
12:27
